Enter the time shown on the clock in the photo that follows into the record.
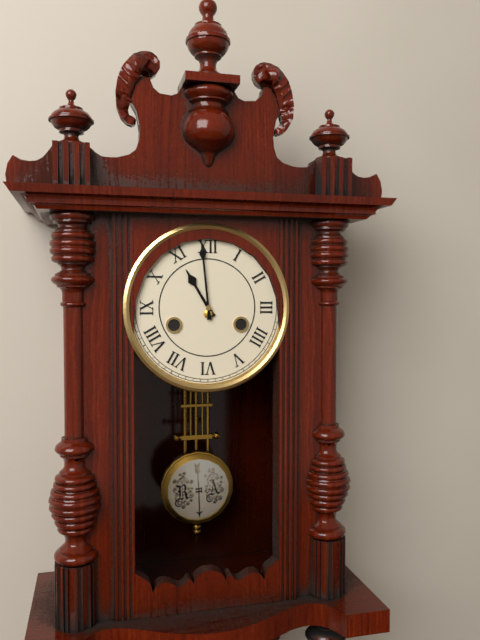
10:59
